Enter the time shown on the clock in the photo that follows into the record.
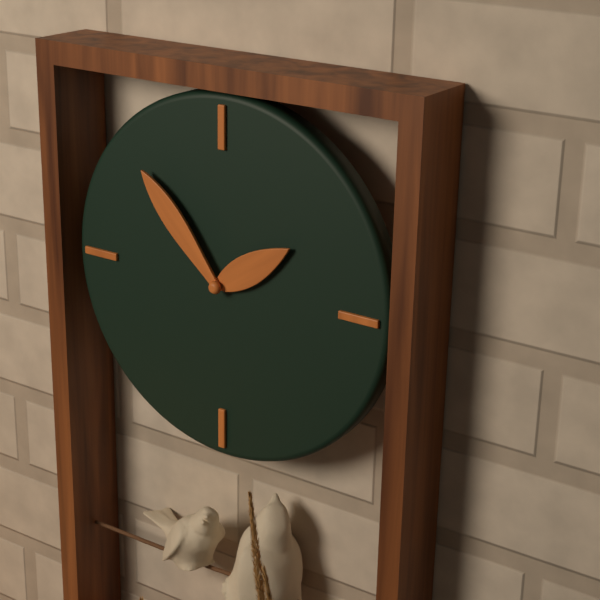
1:53
